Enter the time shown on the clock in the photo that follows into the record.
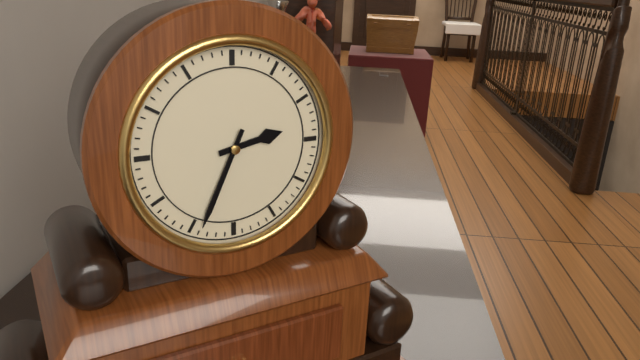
2:34
